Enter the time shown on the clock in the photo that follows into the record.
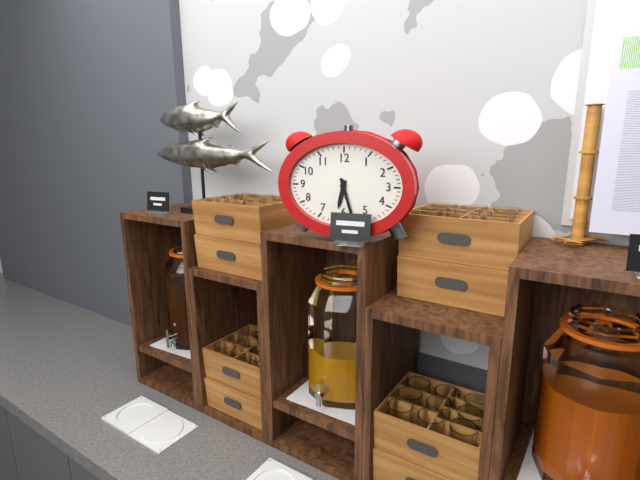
6:27
